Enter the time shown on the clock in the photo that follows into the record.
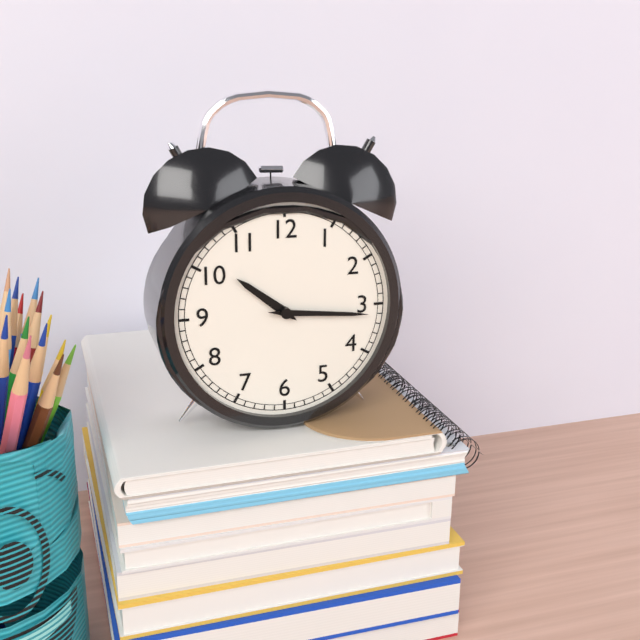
10:16
